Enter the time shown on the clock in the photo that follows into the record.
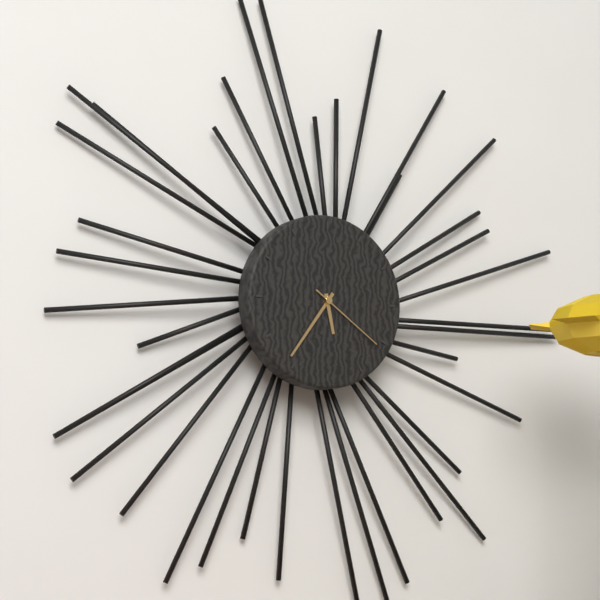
5:36:21
